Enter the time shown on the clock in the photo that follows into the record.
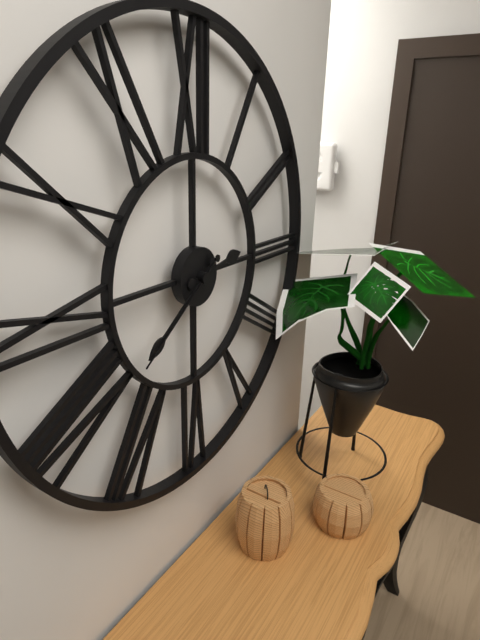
2:39:39
